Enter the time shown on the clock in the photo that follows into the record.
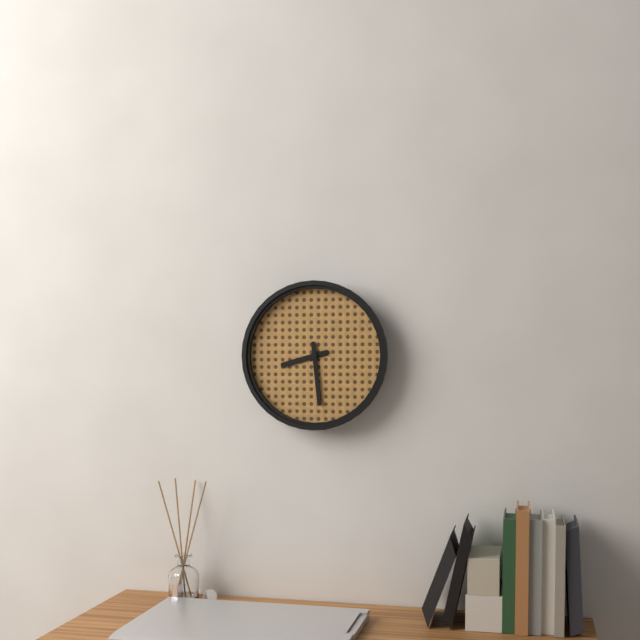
8:29
